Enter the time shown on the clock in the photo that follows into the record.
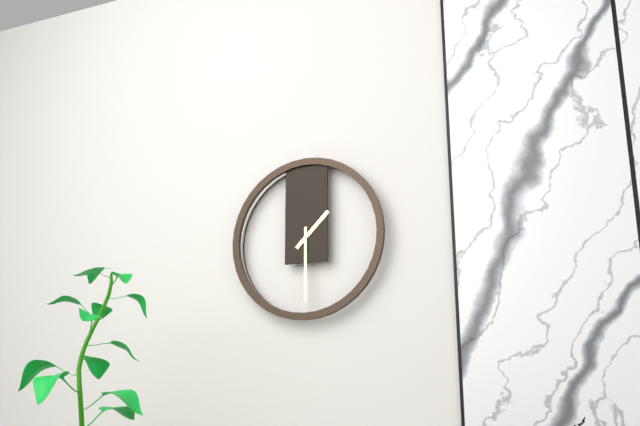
1:30
